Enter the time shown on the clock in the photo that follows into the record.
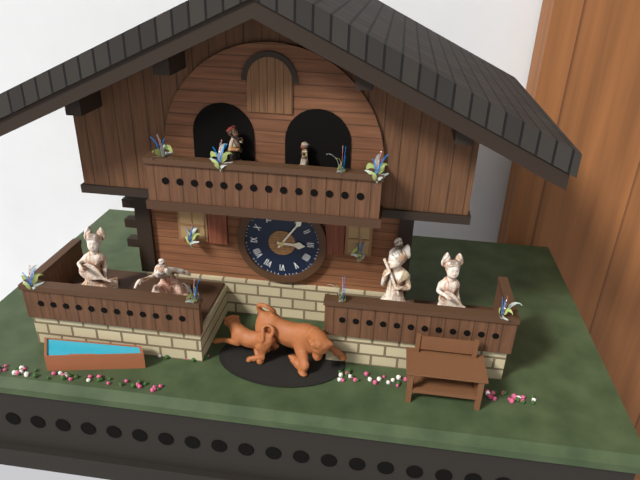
3:06
